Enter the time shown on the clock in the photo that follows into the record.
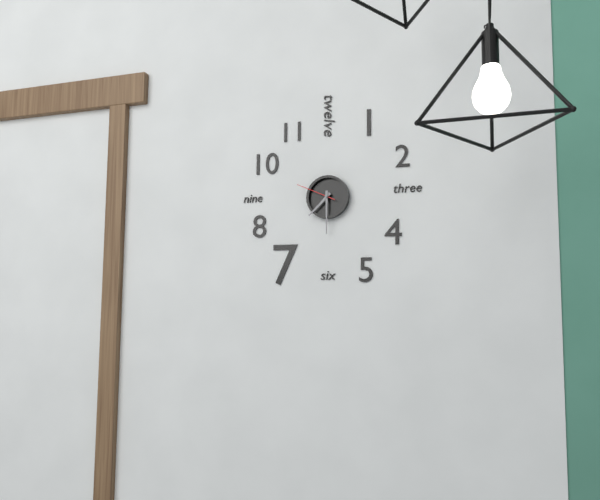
7:30
